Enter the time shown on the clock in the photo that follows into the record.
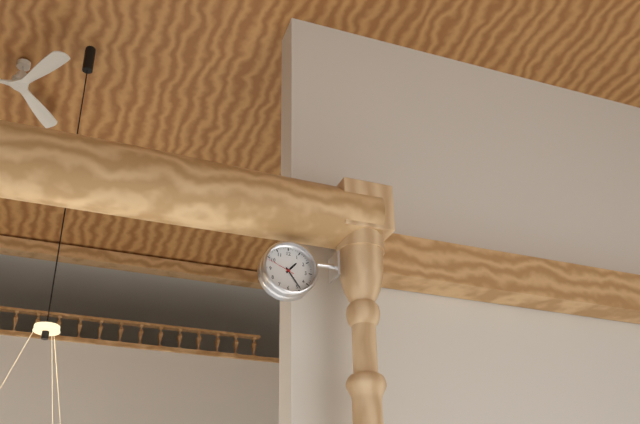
1:24
